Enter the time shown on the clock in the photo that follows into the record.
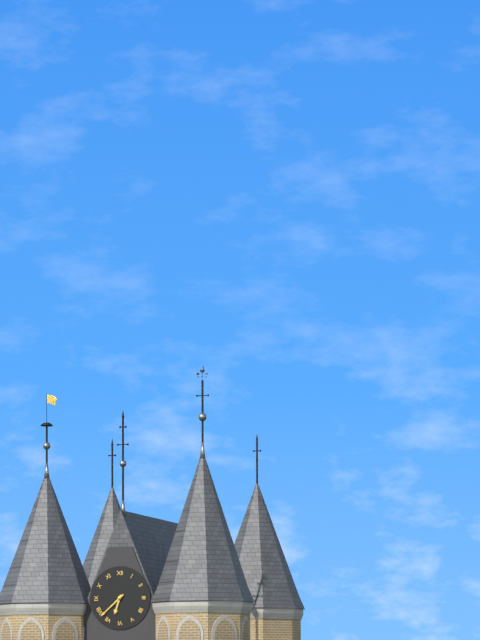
6:38
